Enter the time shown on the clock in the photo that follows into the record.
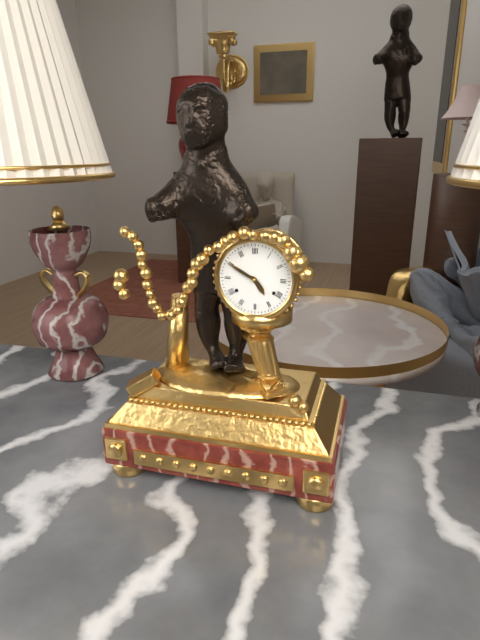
4:50
